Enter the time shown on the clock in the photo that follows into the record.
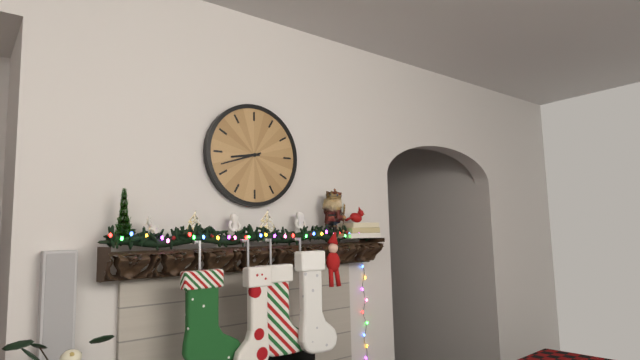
8:42
